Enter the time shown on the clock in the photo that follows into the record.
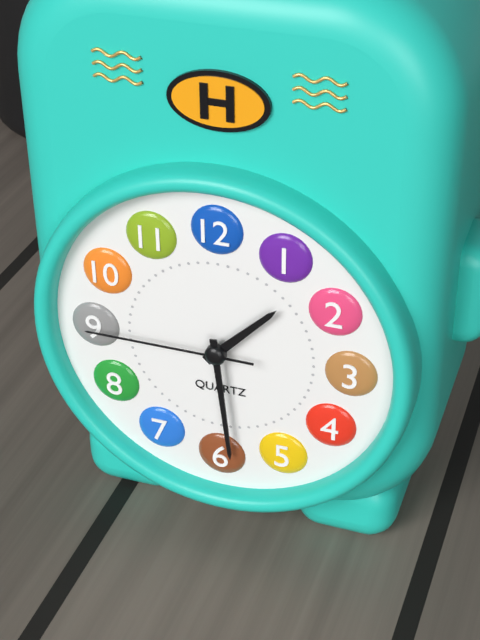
1:29:45
